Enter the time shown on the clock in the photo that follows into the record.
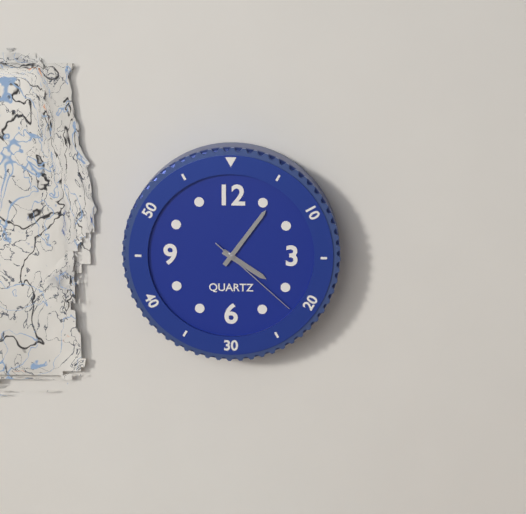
4:06:22
